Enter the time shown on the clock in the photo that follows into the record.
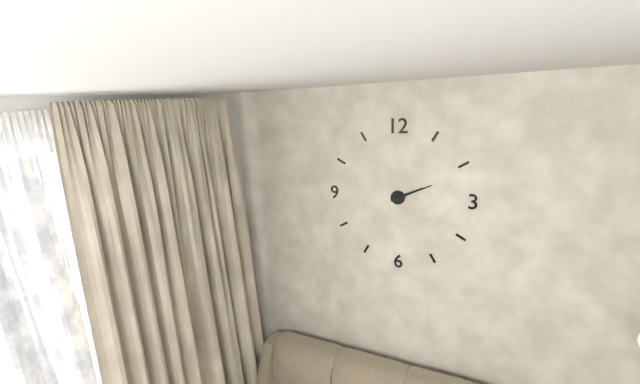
2:11
